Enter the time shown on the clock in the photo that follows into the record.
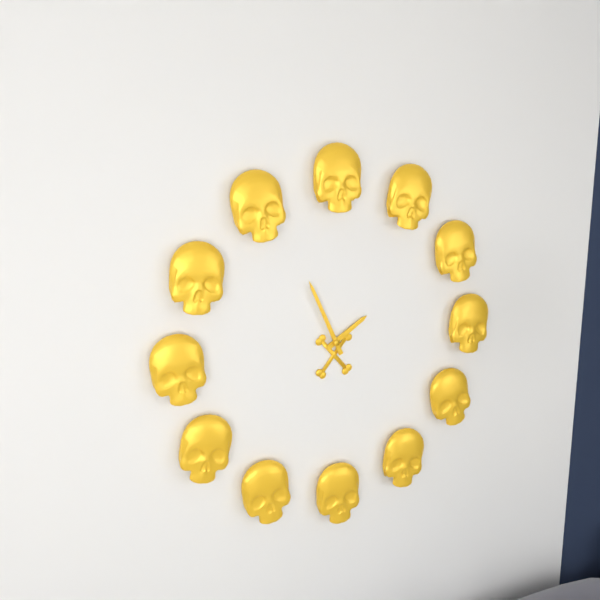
1:56
